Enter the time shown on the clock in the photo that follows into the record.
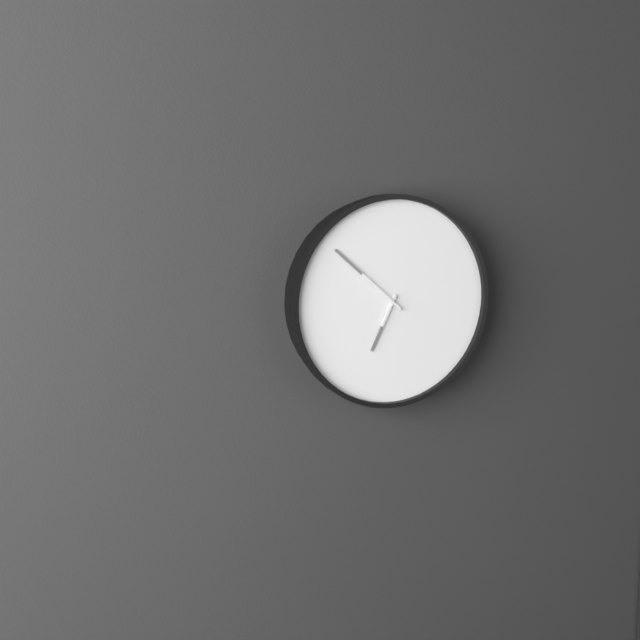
6:52
